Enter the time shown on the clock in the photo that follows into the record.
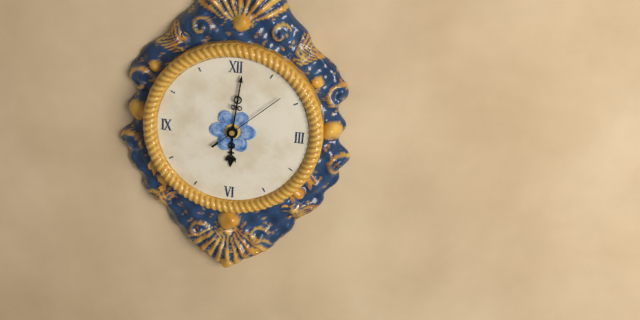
6:01:08
